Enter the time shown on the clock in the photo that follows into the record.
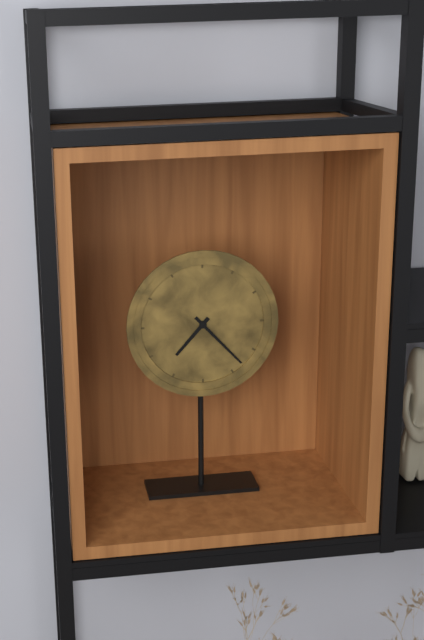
7:23
